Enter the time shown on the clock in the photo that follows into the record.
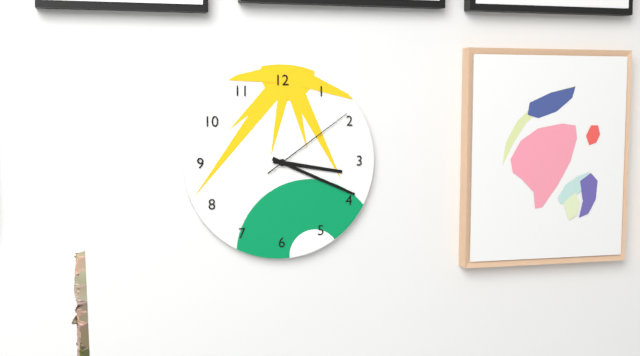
3:19:09
